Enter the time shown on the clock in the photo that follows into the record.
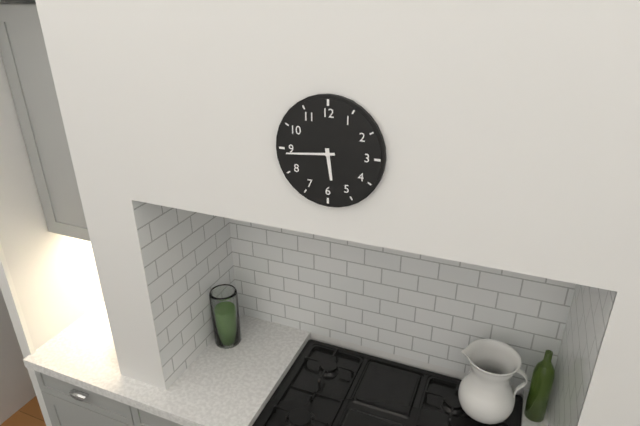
5:44
